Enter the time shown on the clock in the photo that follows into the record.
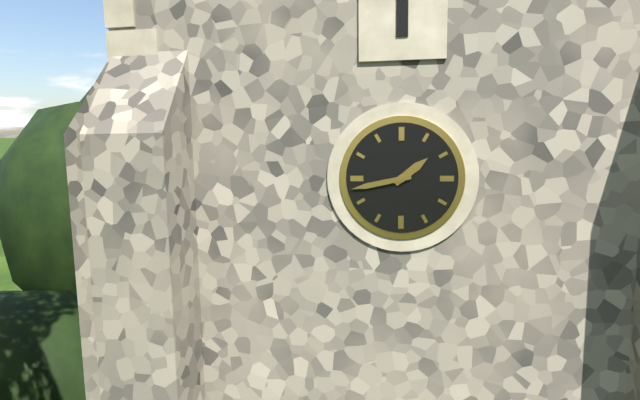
1:43
